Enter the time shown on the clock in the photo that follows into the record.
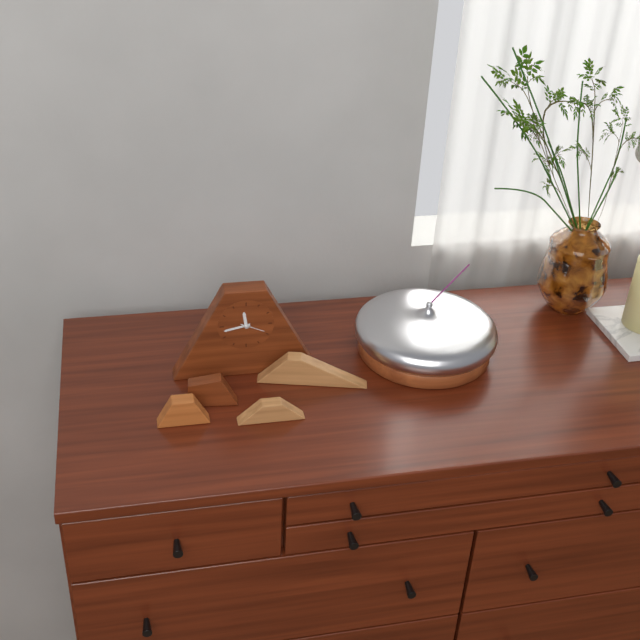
11:43
